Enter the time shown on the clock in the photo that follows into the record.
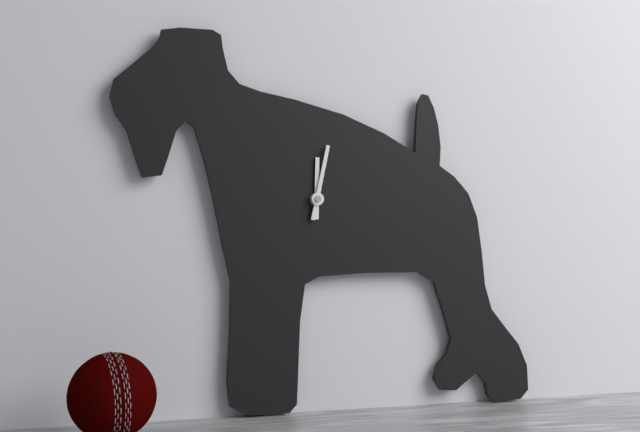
12:02
